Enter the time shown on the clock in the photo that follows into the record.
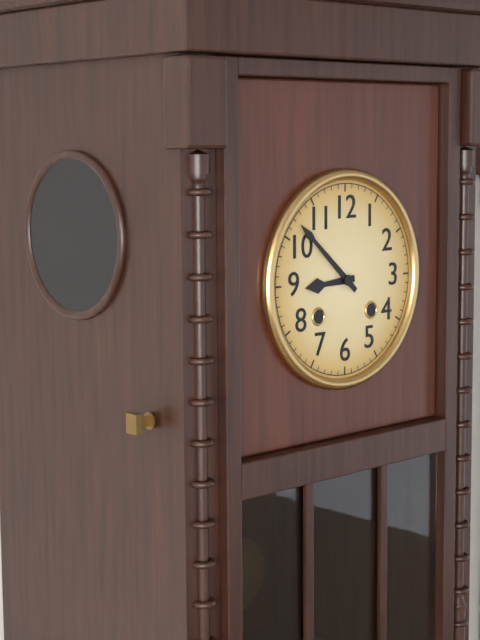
8:52
